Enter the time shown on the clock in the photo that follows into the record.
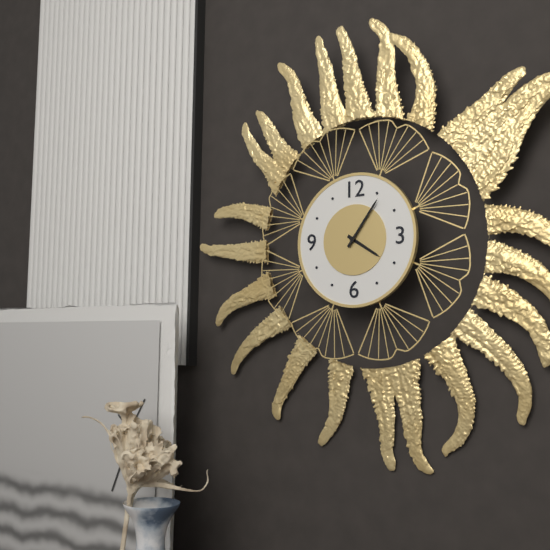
4:06
